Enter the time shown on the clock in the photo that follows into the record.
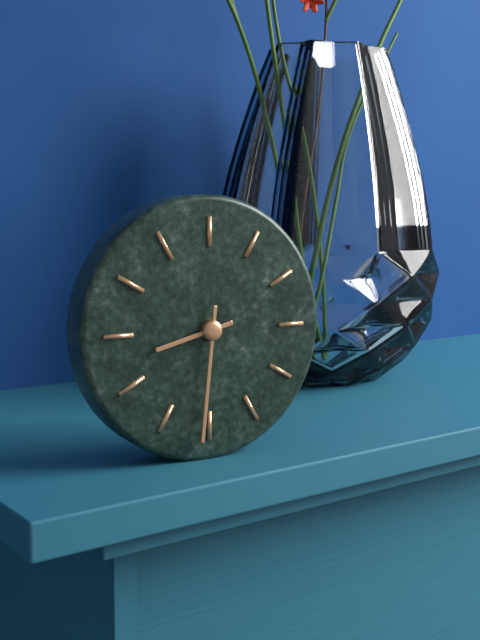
8:31
